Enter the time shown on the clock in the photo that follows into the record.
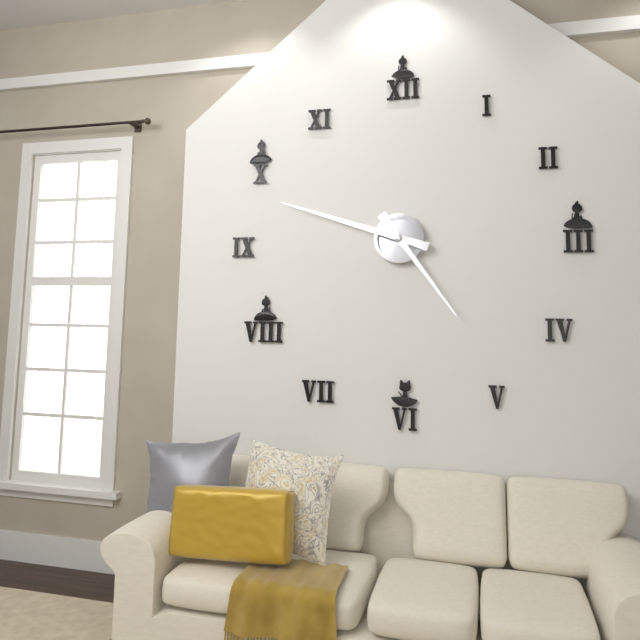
4:48
